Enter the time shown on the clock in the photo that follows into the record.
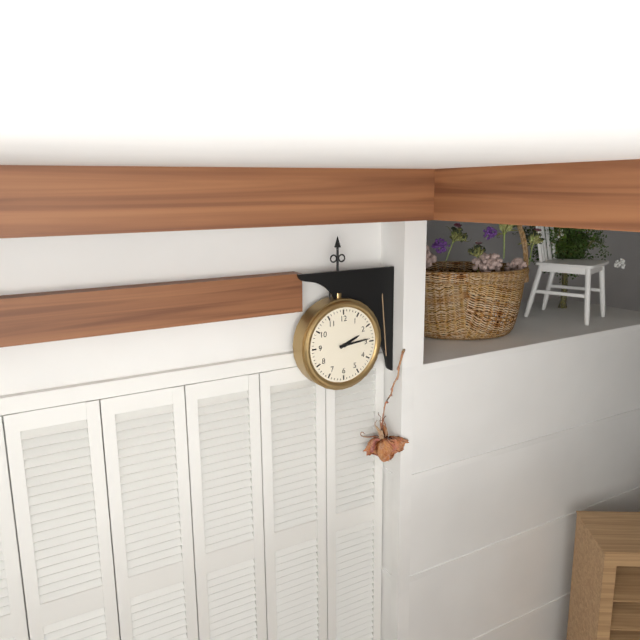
2:14
